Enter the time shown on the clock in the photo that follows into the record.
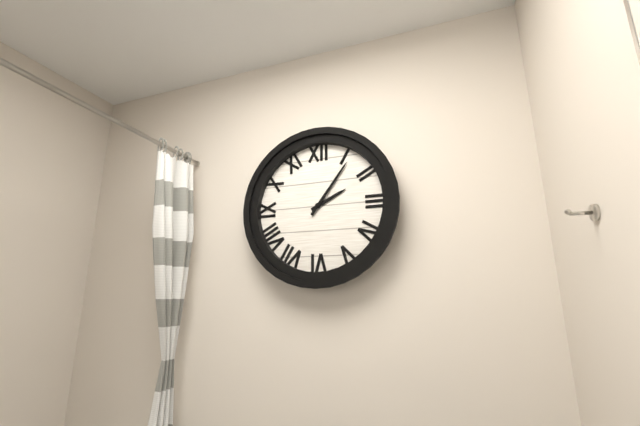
2:06
